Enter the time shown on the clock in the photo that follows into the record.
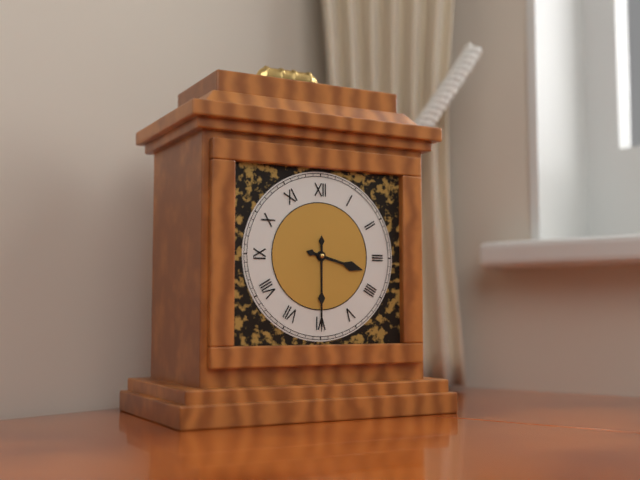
3:30
